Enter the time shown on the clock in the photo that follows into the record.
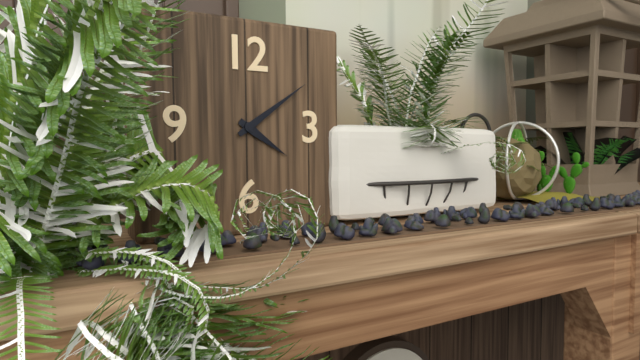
4:09
